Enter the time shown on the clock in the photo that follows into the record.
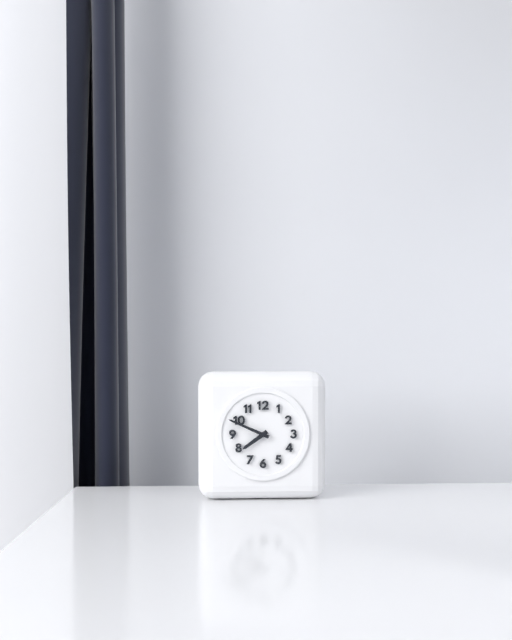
7:49
